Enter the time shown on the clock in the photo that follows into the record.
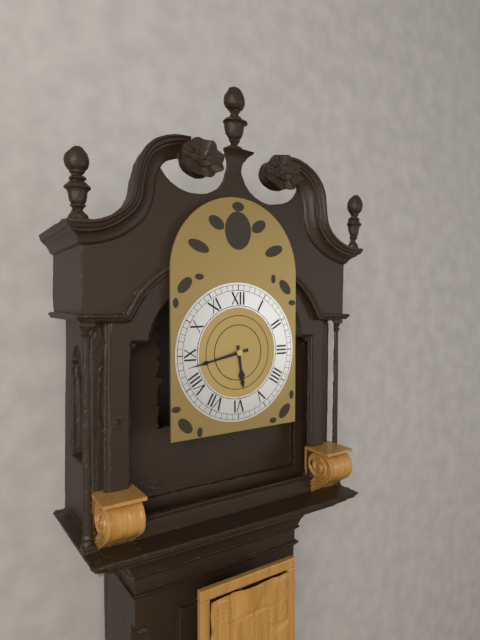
5:43
